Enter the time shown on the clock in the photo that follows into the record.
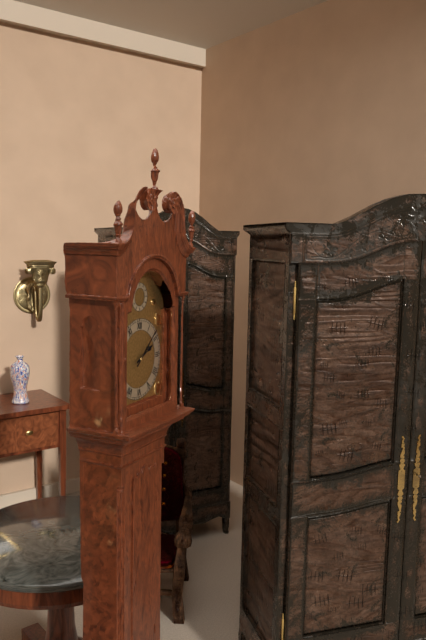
2:08
